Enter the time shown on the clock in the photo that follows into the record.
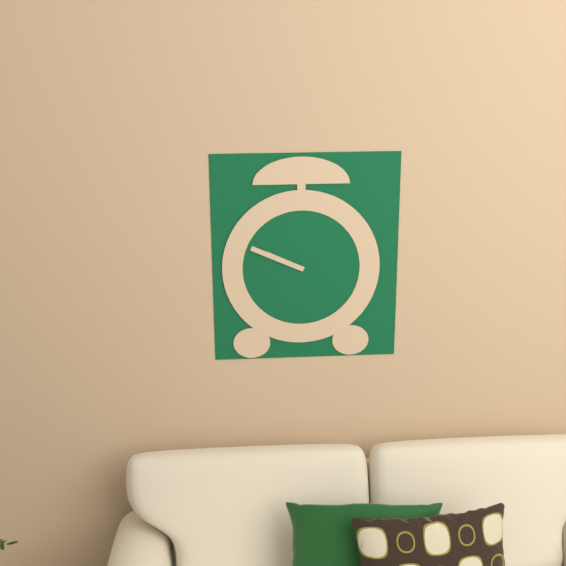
9:49
